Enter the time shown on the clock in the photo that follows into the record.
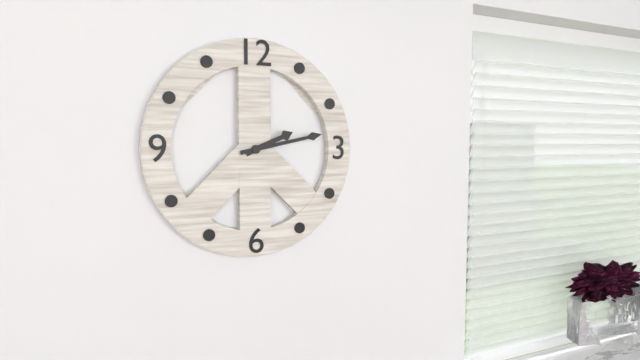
2:13
